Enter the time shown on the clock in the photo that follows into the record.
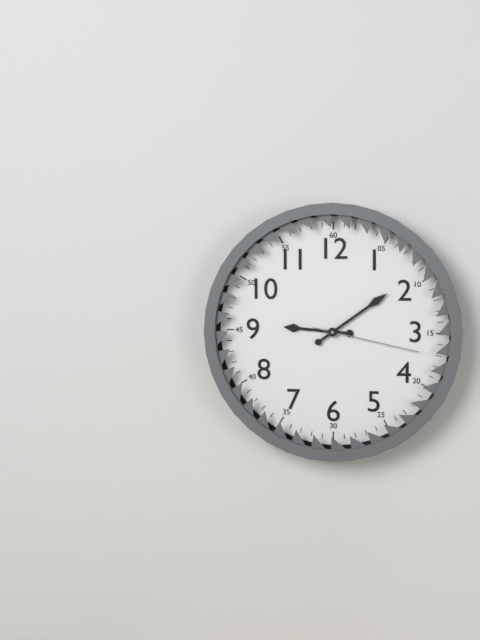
9:09:17
